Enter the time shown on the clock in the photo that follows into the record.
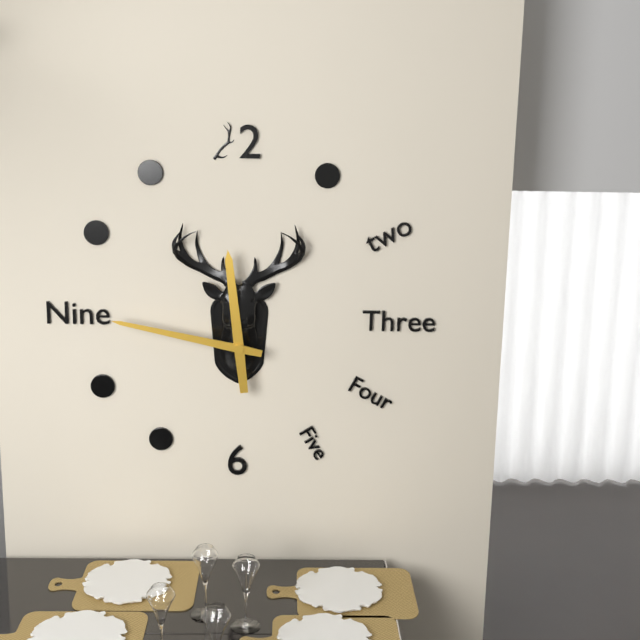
11:47
